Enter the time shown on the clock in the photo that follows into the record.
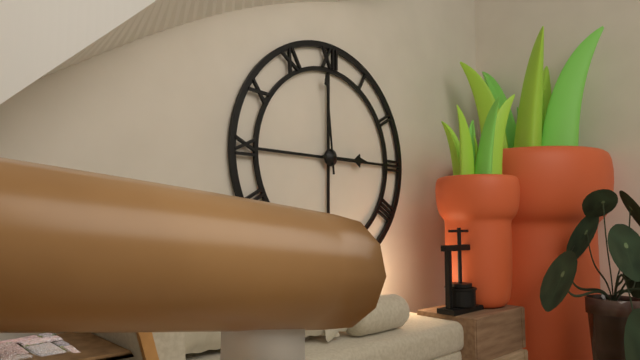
2:59
